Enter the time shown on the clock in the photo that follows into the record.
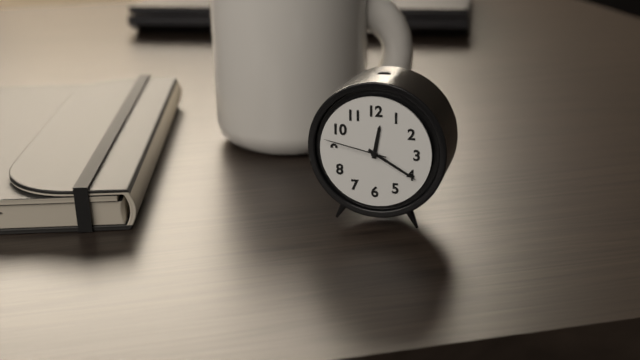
12:20:47
